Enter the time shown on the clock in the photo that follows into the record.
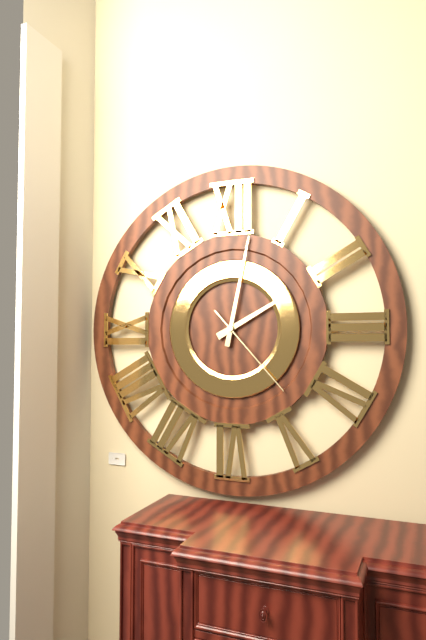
2:02:23
